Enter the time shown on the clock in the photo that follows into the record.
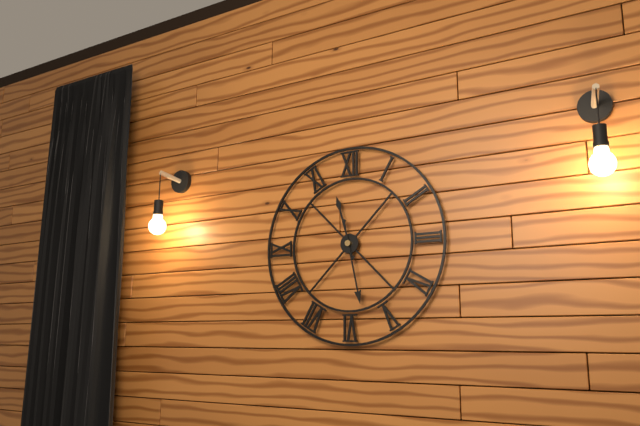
11:28
